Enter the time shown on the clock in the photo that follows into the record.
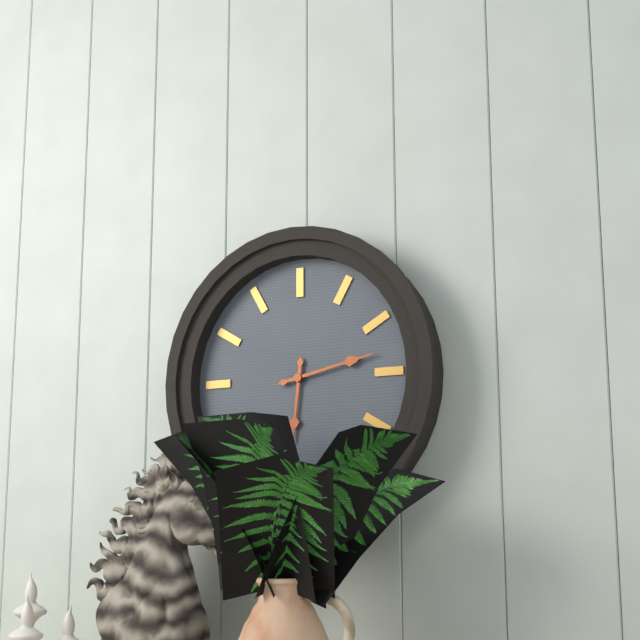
6:13
